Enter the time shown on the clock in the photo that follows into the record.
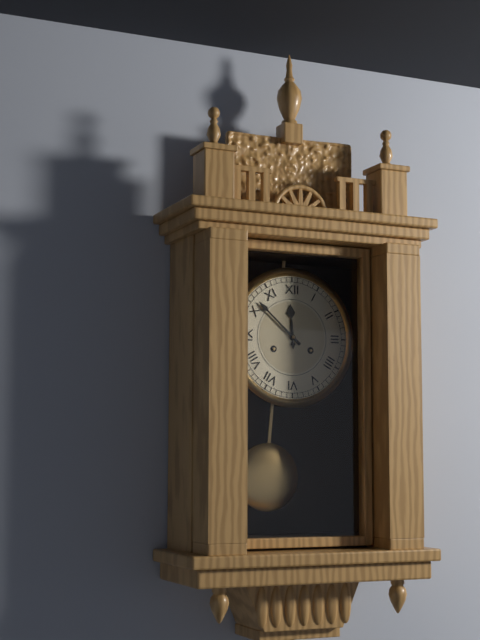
11:52
